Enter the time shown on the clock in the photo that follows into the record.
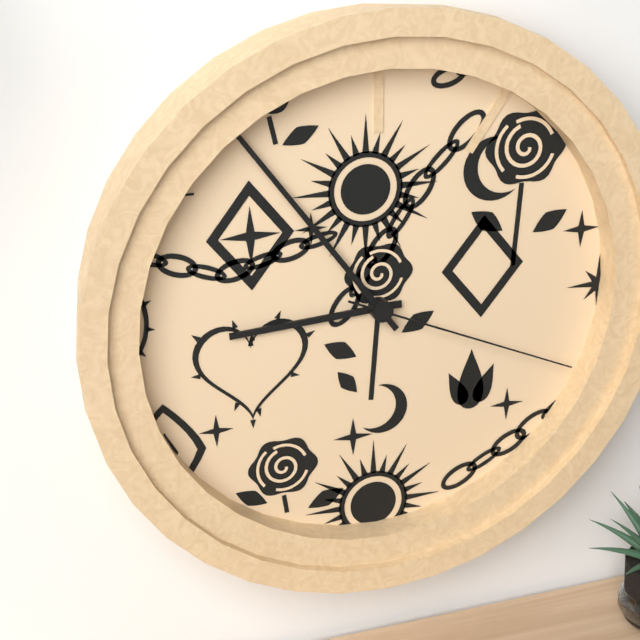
8:54:19
